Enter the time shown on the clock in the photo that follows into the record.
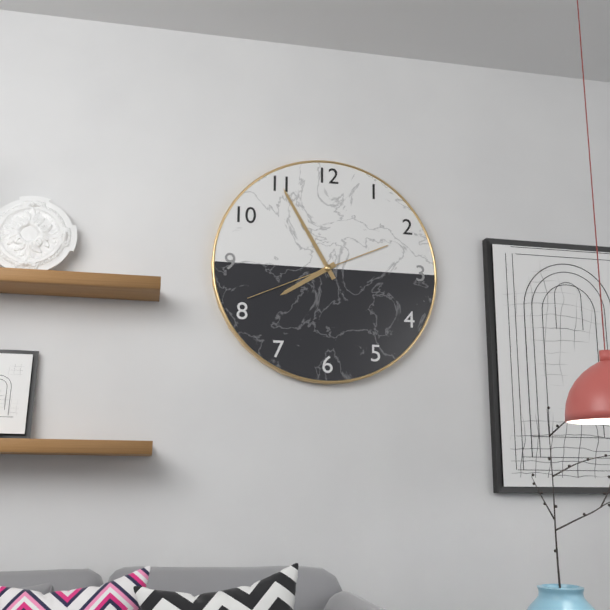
7:55:41
